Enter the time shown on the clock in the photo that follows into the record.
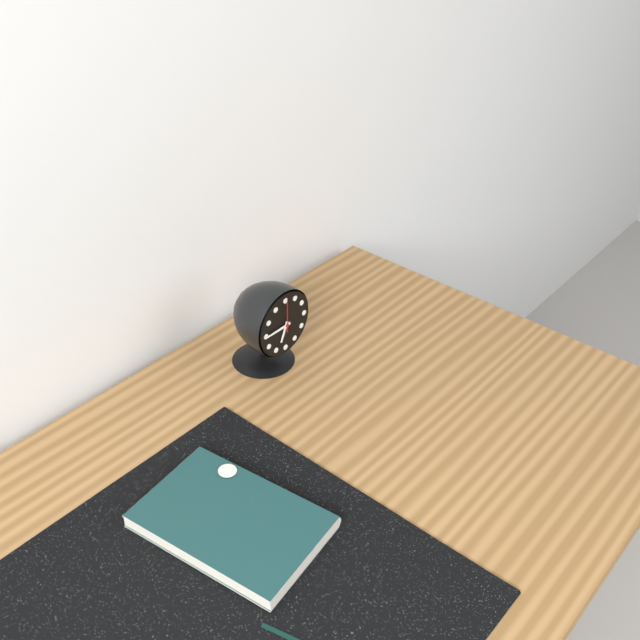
6:45
